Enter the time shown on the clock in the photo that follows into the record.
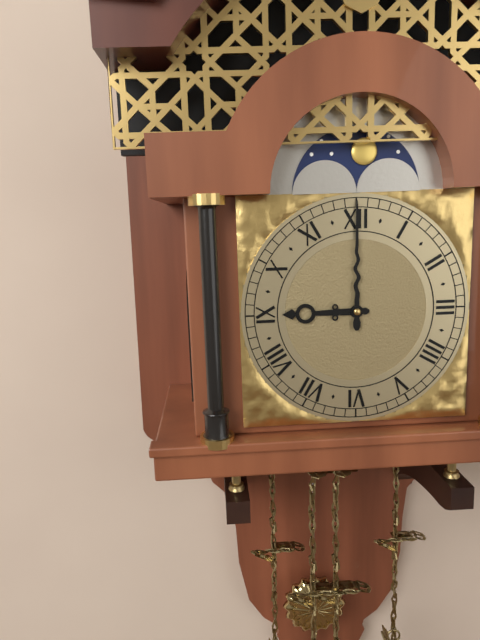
9:00
